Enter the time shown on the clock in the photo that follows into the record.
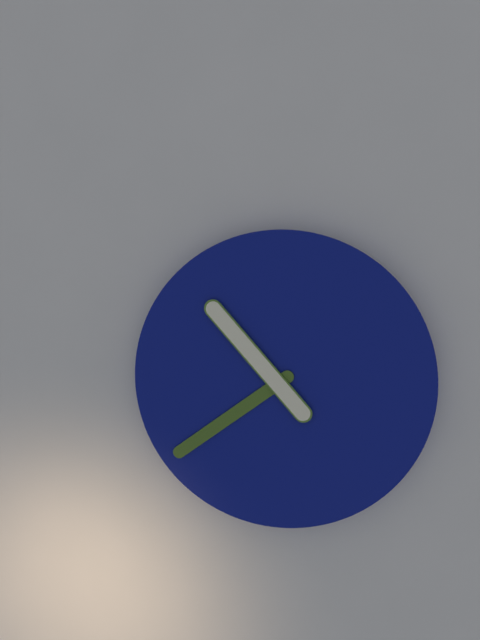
10:39
